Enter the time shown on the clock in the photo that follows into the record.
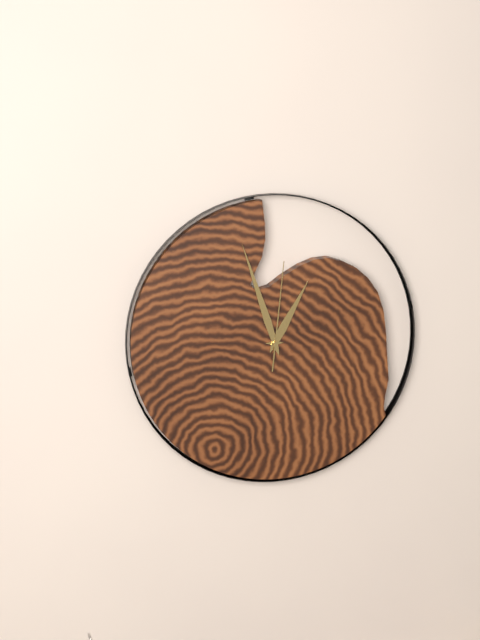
12:57:01
